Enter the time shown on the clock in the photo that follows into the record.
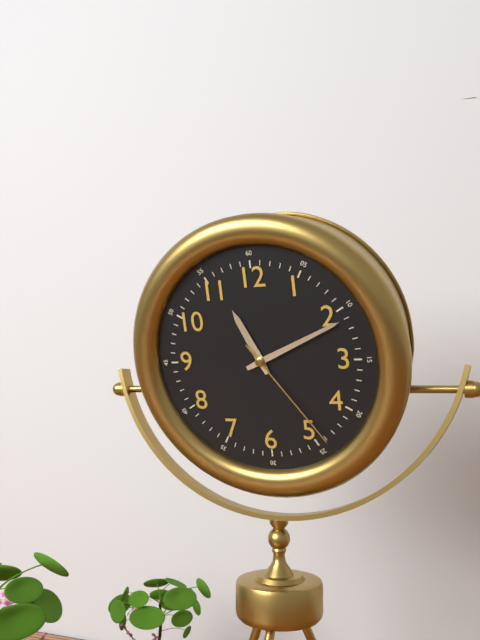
11:11:24
